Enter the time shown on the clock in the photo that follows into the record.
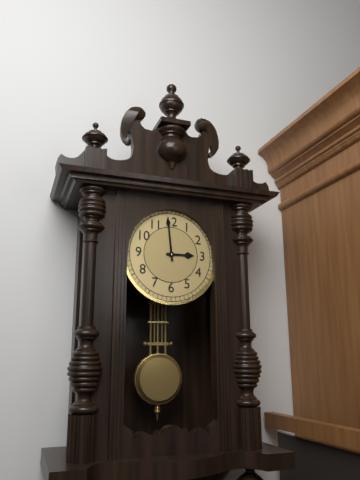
2:59
